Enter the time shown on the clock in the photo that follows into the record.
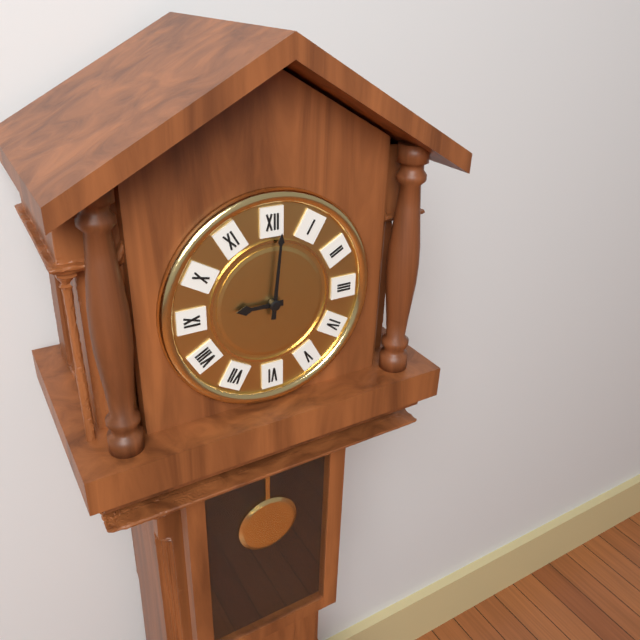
9:01
